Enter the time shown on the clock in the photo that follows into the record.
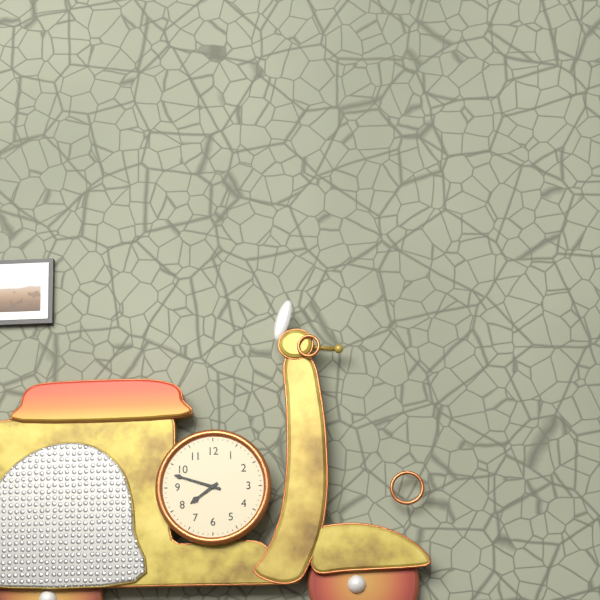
7:48
